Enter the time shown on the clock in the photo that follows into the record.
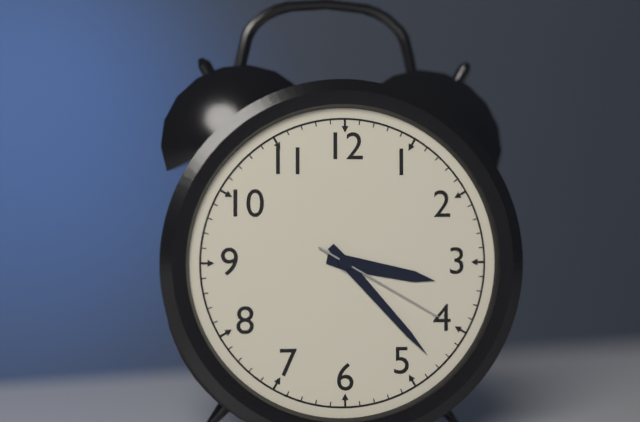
3:23:20
